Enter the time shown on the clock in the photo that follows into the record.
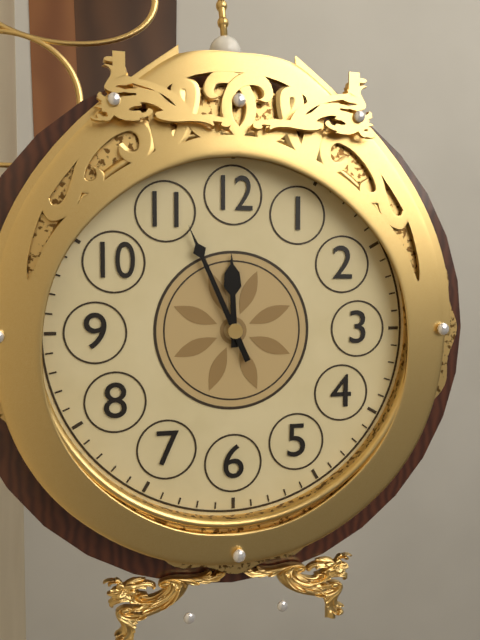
11:56
